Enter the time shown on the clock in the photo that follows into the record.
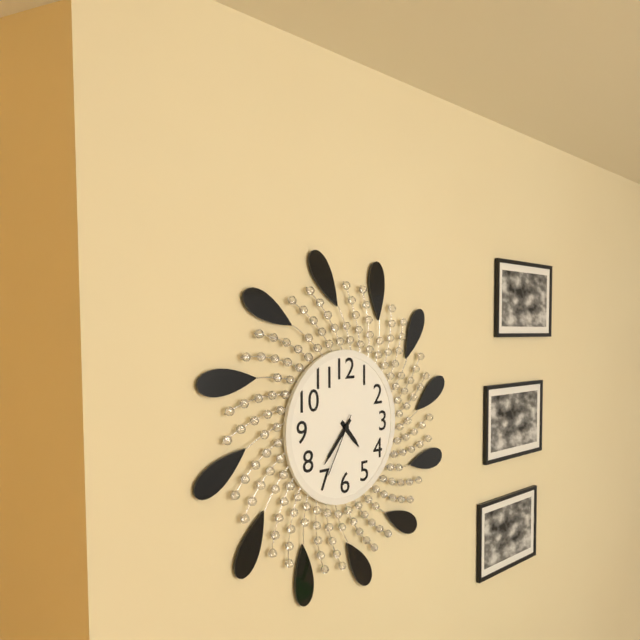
4:37:35
